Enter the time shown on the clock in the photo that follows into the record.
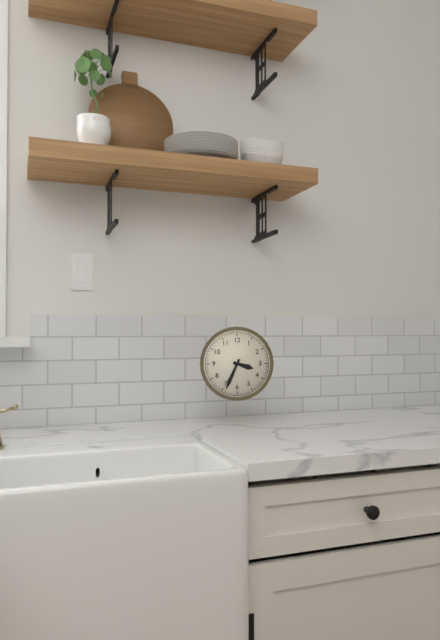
3:34
